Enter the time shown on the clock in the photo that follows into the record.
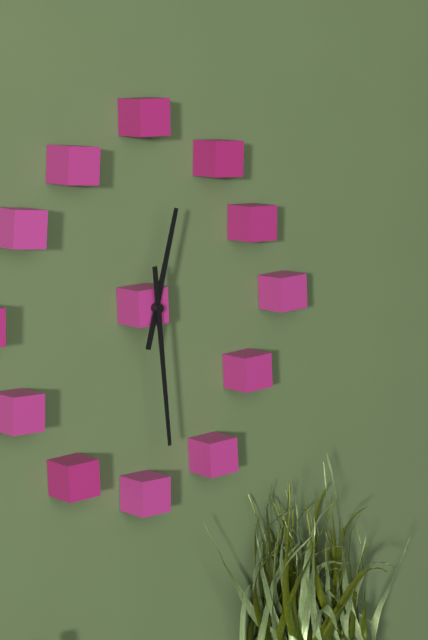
12:29
